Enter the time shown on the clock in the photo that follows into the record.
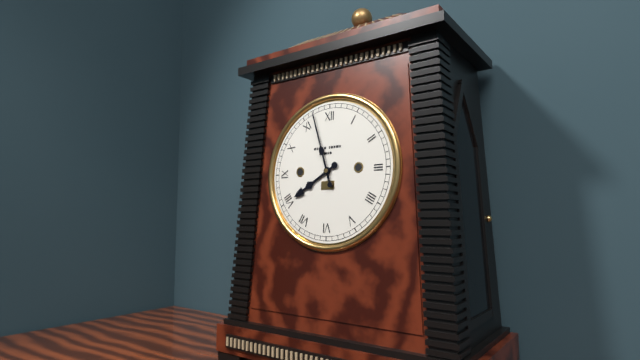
7:57
